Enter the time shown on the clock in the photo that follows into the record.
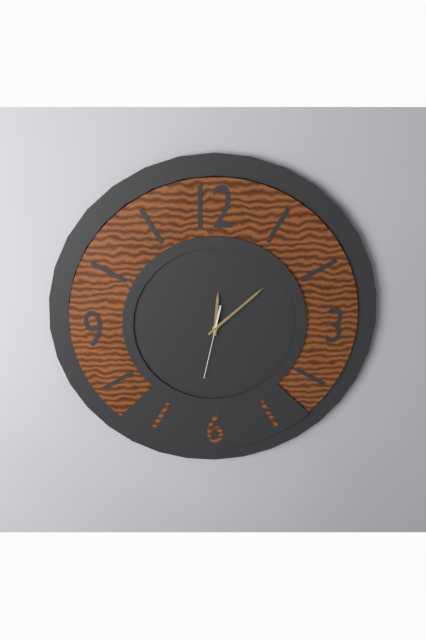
12:08:32
